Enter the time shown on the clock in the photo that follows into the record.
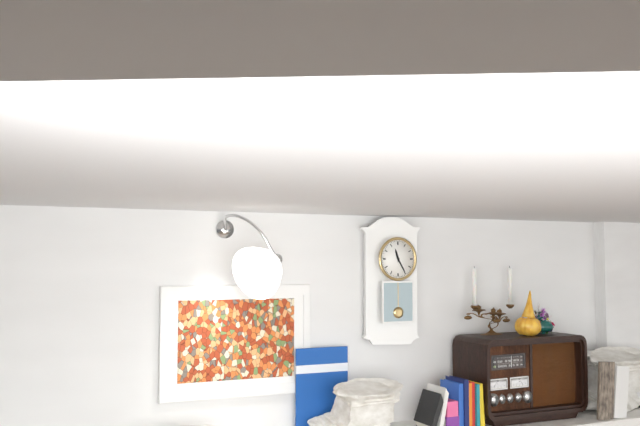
11:25
